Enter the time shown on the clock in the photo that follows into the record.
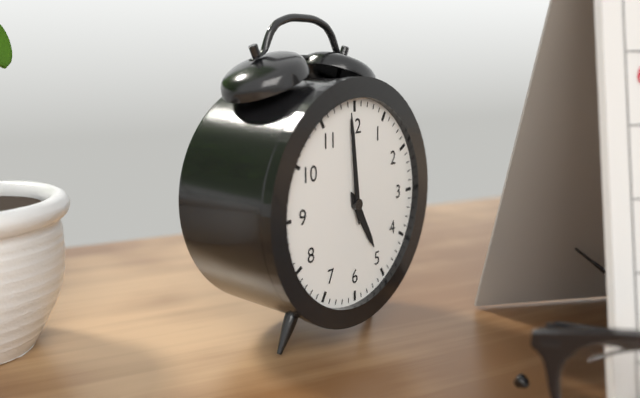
4:59
